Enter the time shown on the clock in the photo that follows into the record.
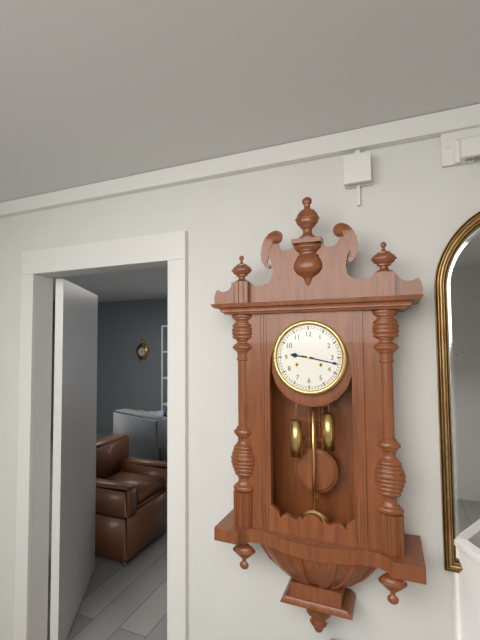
9:17
